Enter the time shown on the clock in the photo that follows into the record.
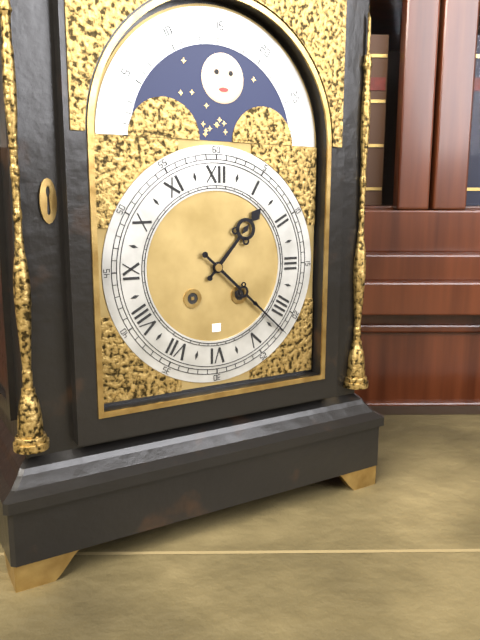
1:22
